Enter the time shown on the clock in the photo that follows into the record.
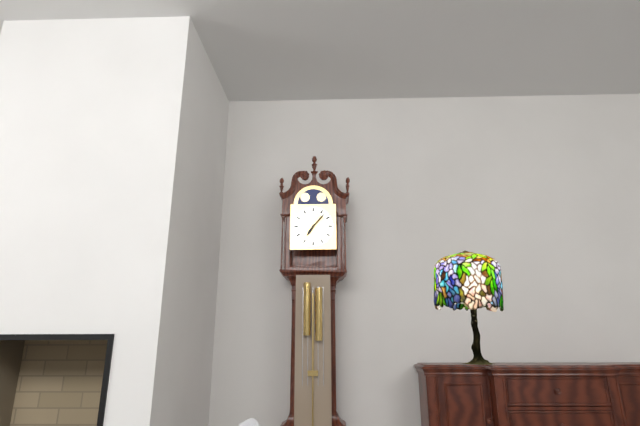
7:07
